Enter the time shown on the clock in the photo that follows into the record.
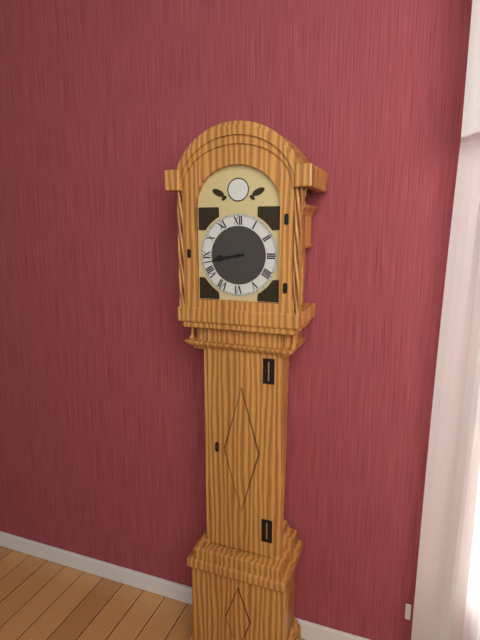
8:43
